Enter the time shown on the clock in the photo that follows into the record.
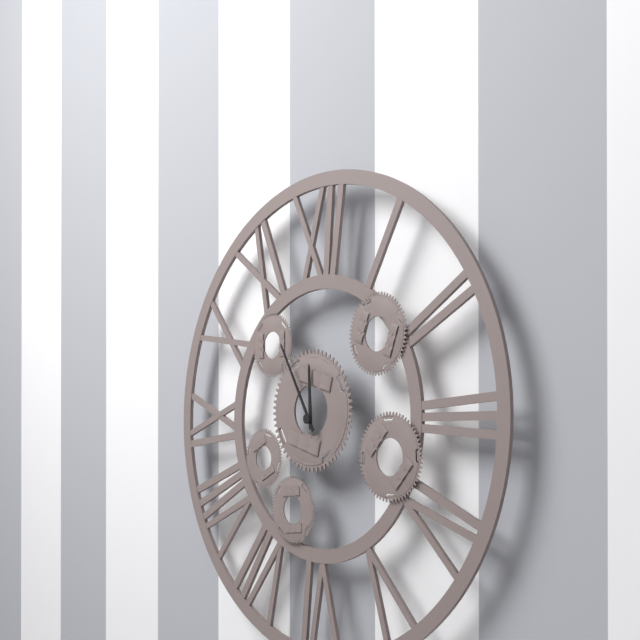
11:55
